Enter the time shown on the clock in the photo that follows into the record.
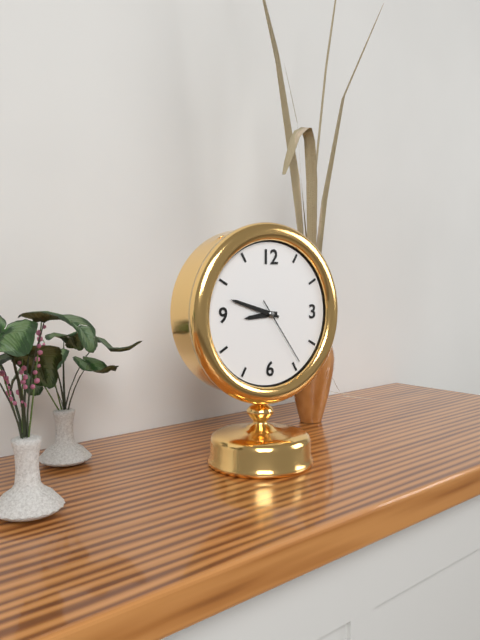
8:48:24
